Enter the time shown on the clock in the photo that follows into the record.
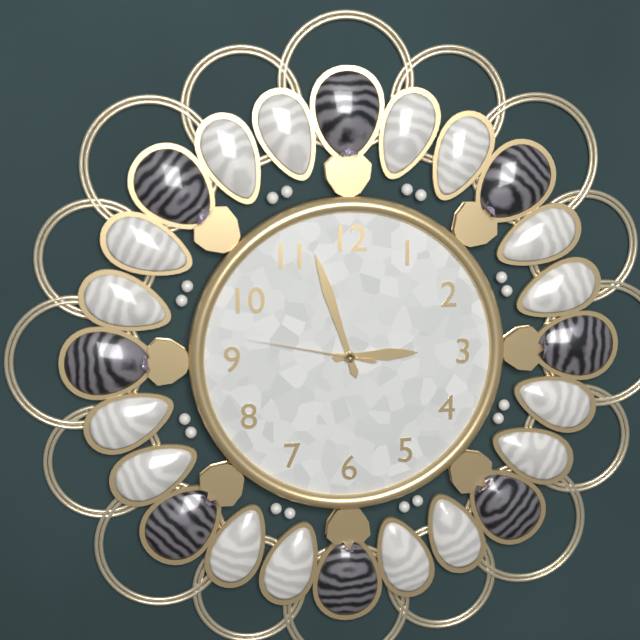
2:57:47
